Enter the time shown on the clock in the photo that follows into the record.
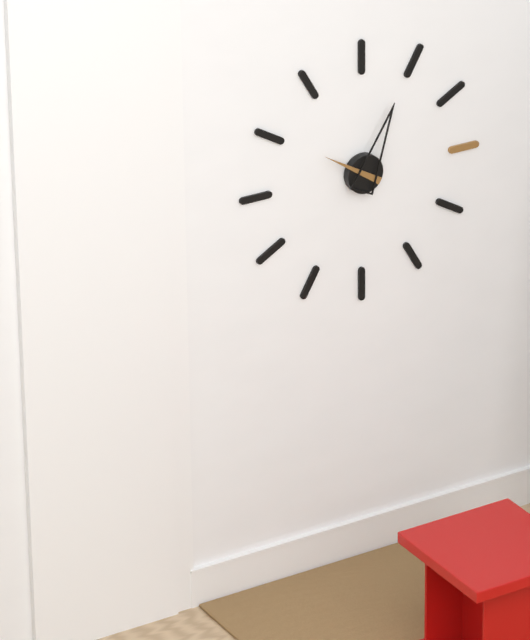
10:04
